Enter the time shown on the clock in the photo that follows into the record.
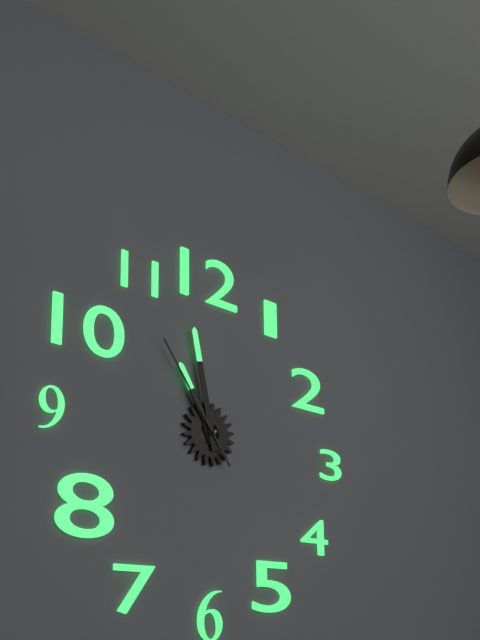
10:58:54
